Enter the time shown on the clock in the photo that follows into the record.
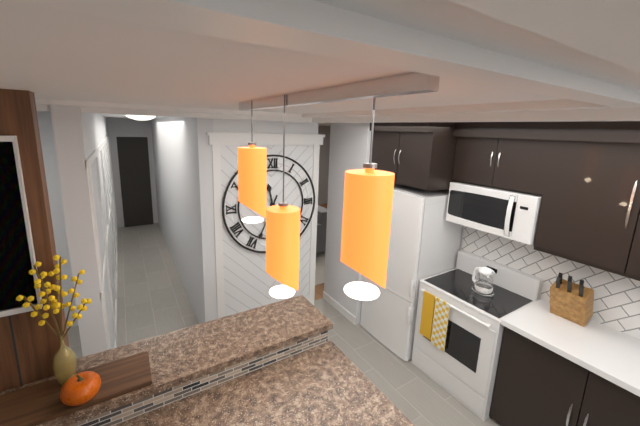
11:34
